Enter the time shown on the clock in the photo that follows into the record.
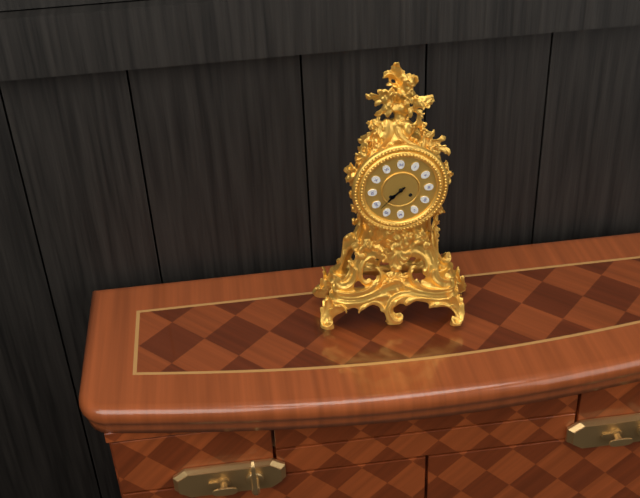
7:38
